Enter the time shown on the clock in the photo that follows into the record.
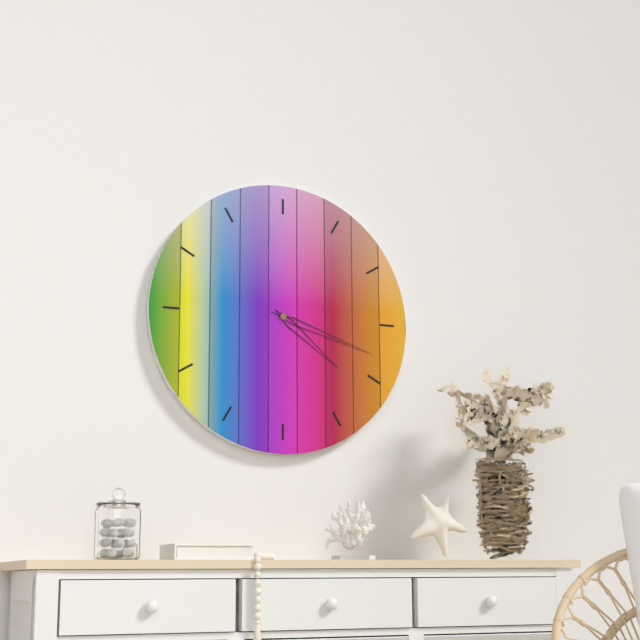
4:18
